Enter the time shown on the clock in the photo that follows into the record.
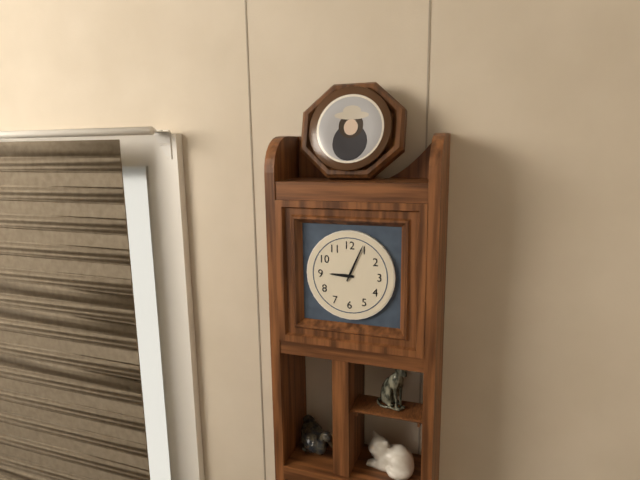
9:04
